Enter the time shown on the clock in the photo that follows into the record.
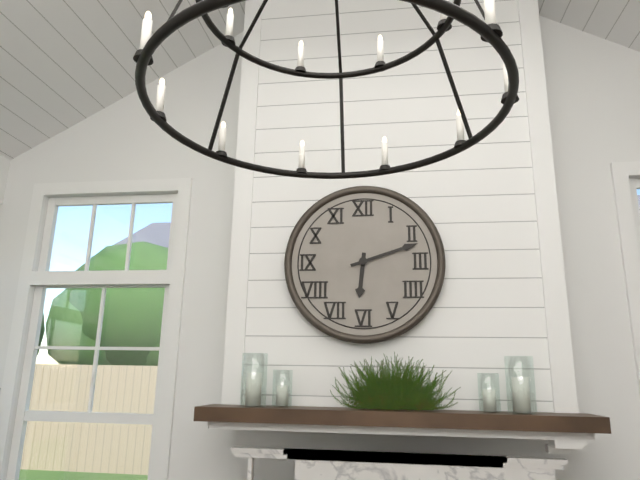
6:12
